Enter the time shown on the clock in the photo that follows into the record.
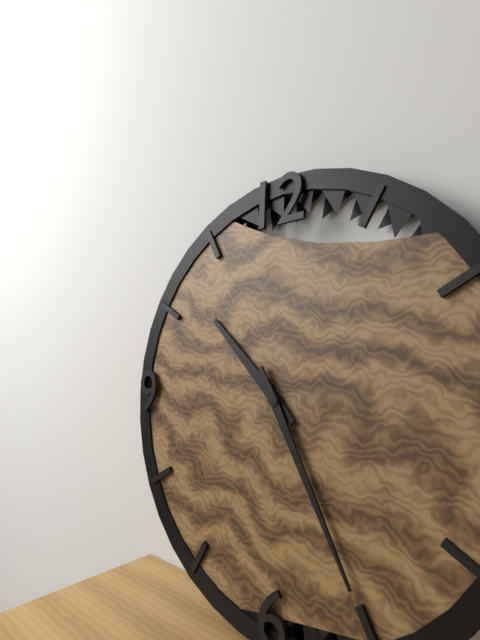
10:25
